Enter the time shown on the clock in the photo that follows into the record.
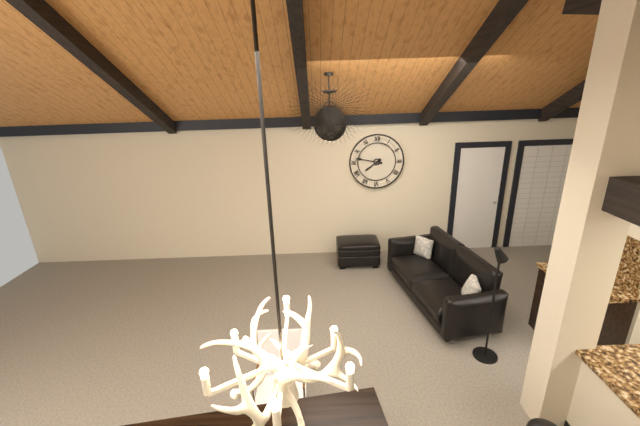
7:47
